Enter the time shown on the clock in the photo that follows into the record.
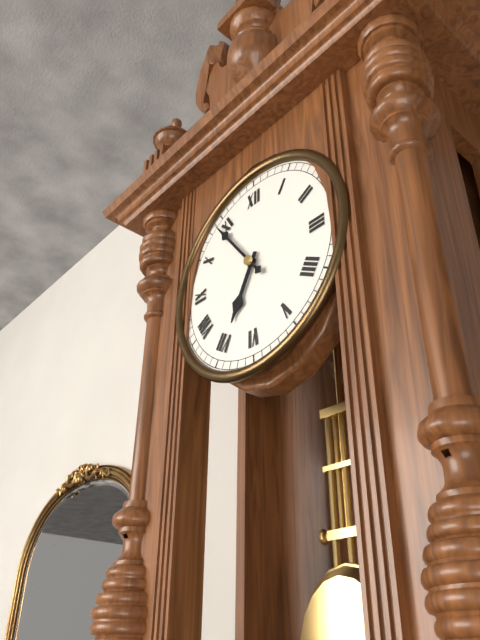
6:54
